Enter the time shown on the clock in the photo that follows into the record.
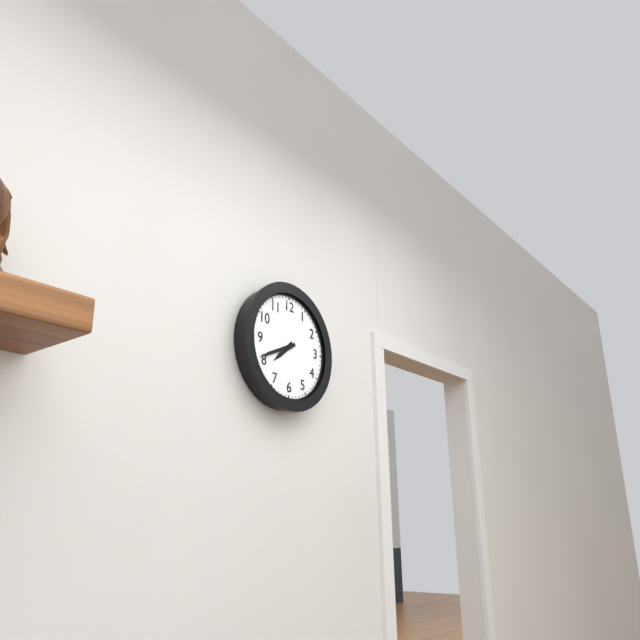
7:41
